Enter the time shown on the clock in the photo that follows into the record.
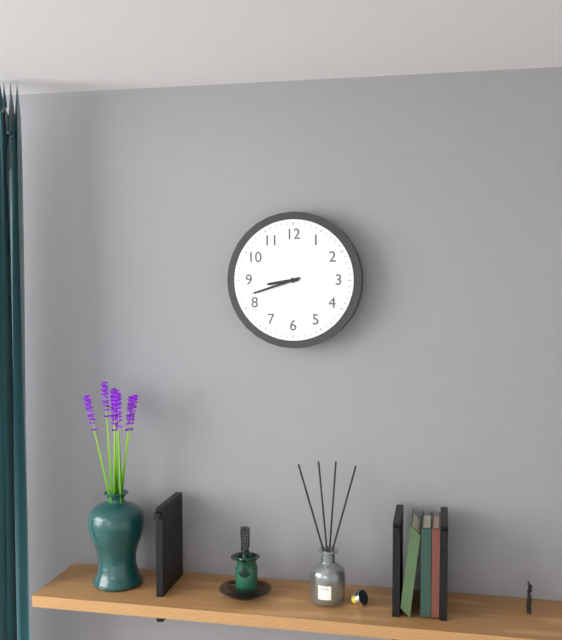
8:42
